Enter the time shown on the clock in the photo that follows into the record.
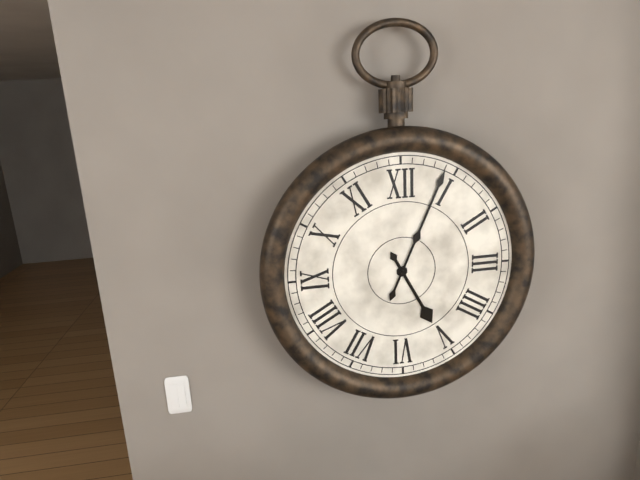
5:04
